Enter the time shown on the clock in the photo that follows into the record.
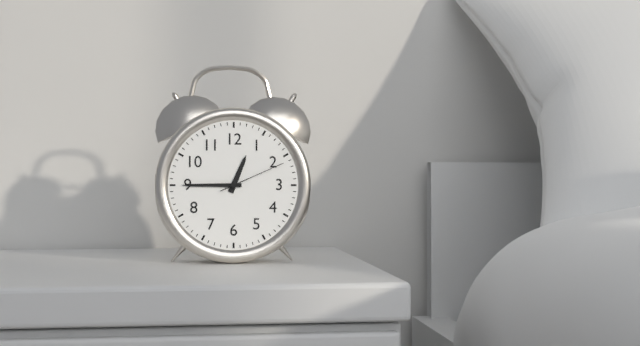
12:45:11
